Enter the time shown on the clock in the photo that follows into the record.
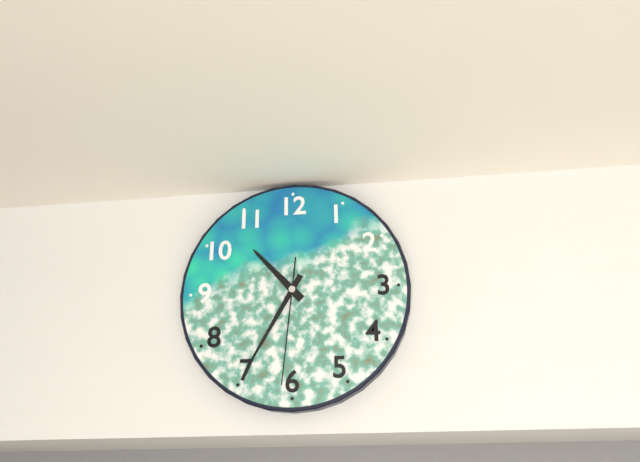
10:35:31
